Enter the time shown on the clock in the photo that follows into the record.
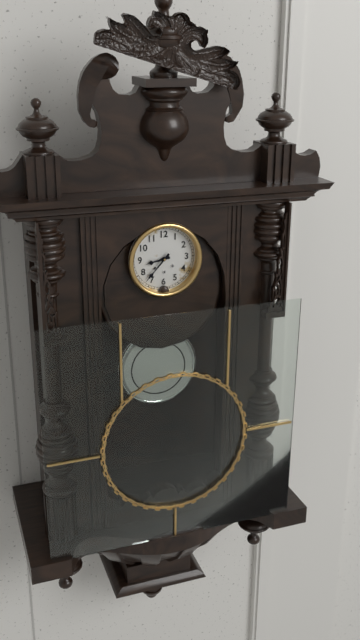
8:37
